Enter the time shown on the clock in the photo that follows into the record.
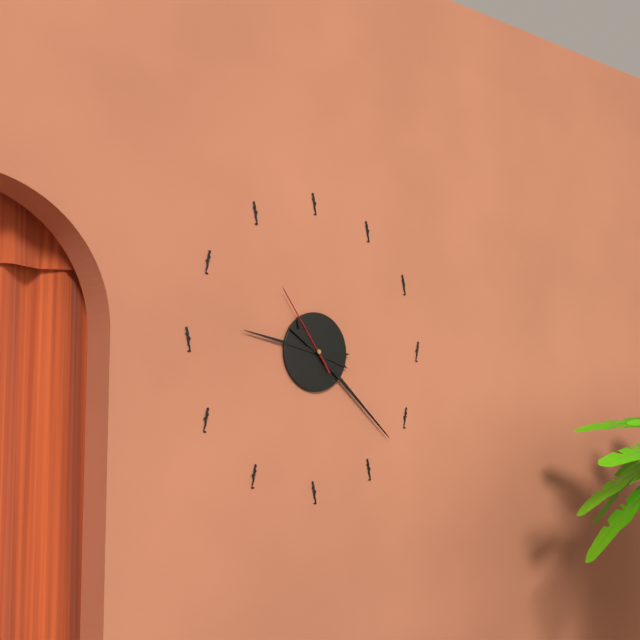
9:22:54
